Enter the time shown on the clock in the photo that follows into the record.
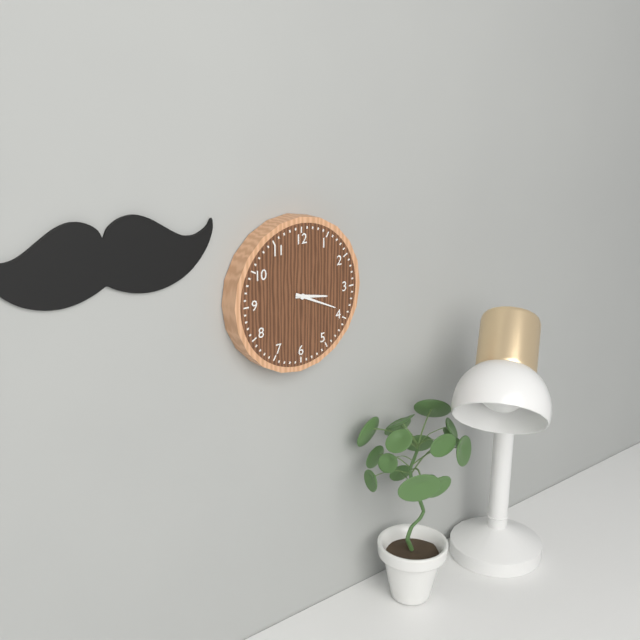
3:19
